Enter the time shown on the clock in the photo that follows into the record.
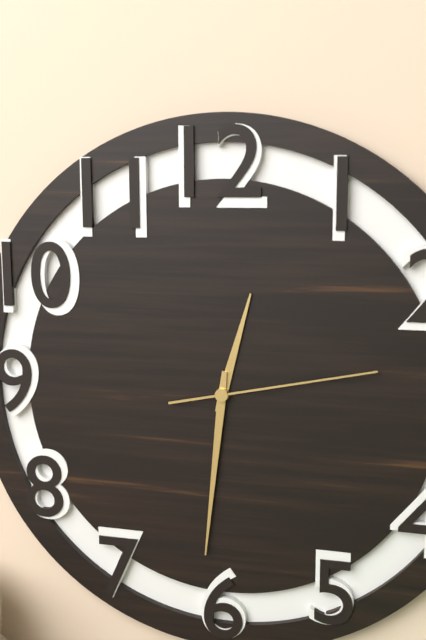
12:31:13
